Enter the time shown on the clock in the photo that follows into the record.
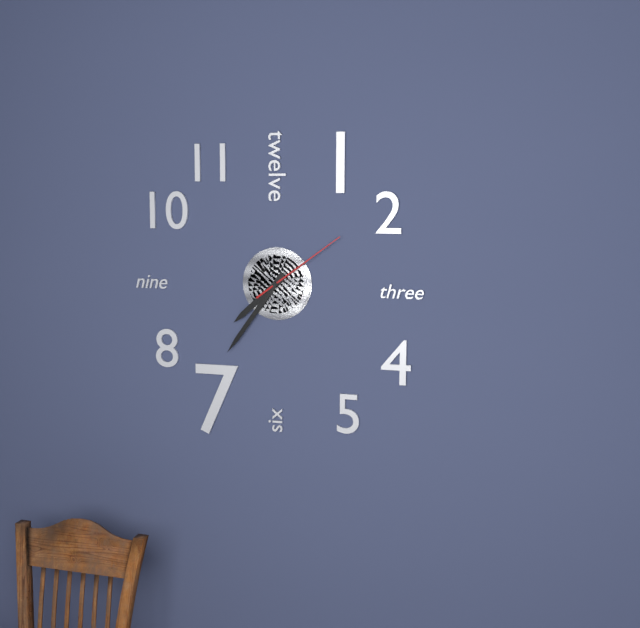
7:36:09
